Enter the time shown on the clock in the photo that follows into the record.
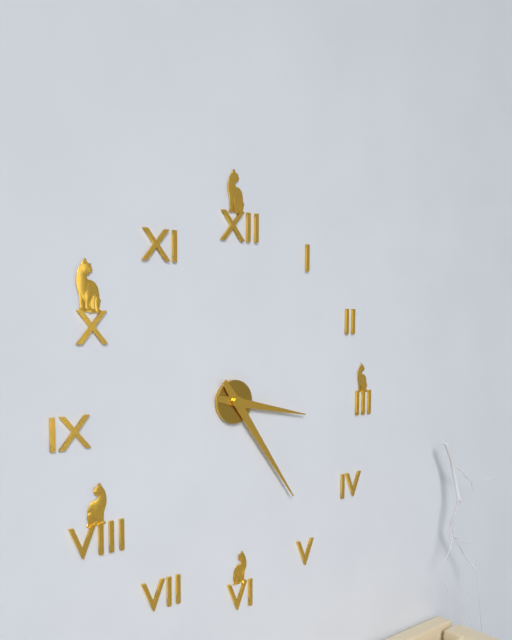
3:24
